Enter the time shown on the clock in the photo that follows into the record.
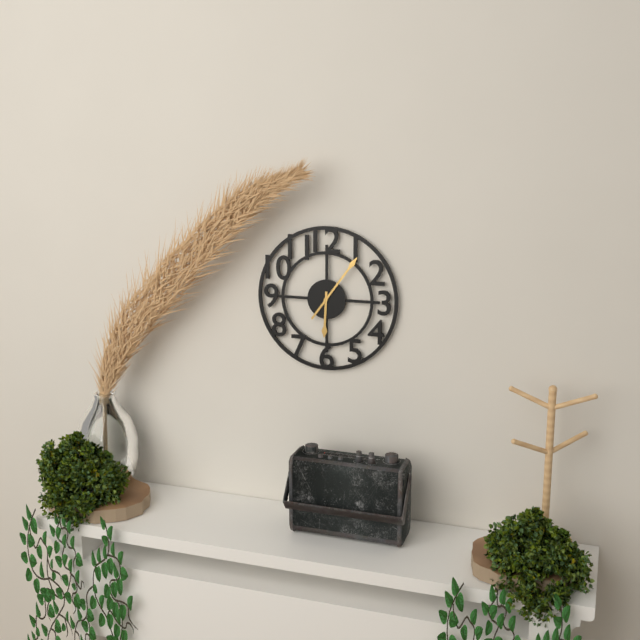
6:06
